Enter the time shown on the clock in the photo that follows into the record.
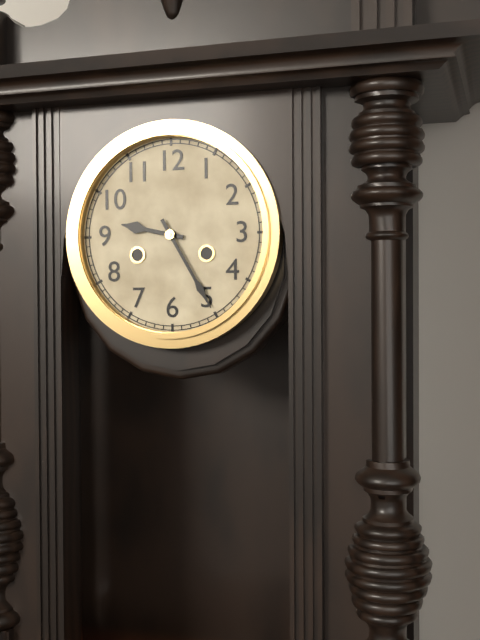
9:25
